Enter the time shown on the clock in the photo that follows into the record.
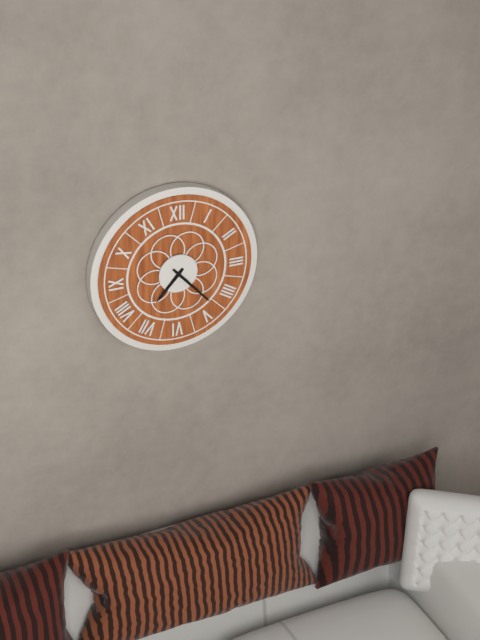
7:23
